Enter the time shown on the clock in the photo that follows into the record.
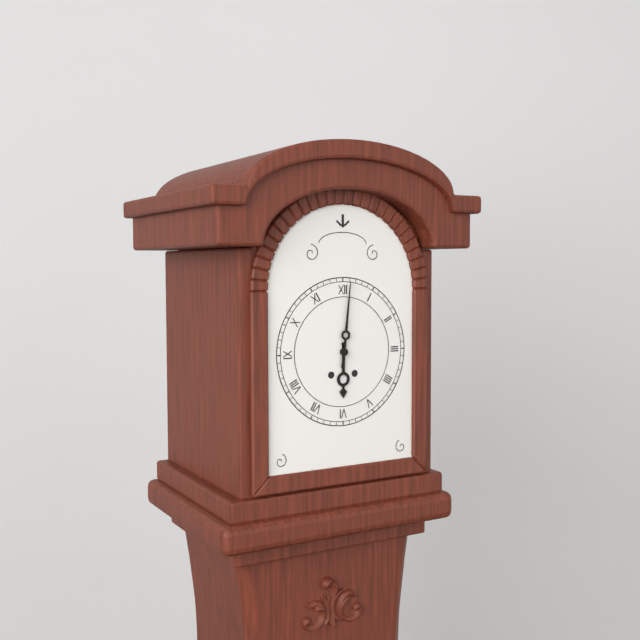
6:01
